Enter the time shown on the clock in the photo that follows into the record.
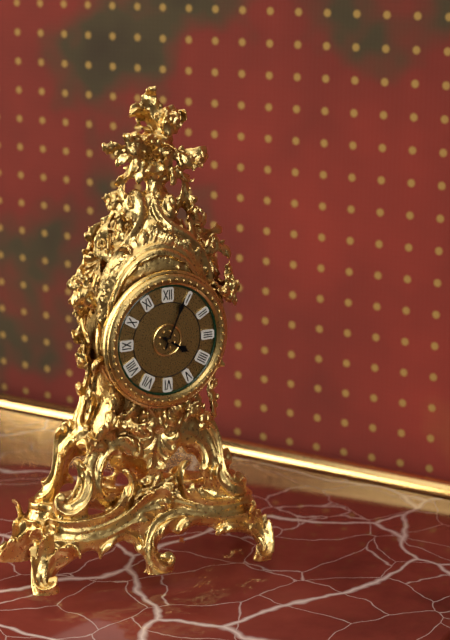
4:04
